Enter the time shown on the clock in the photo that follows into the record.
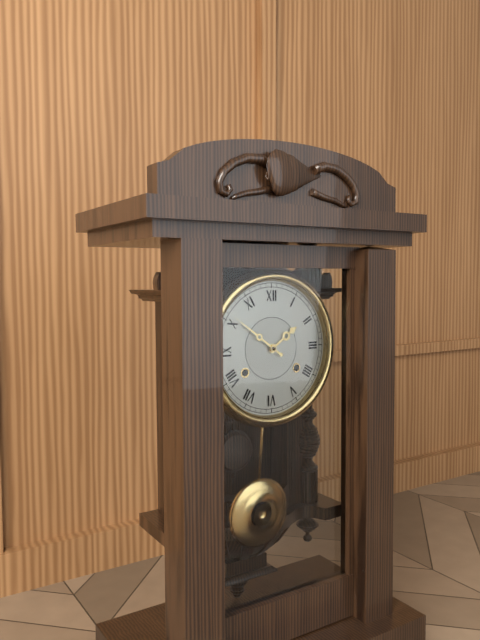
1:51
